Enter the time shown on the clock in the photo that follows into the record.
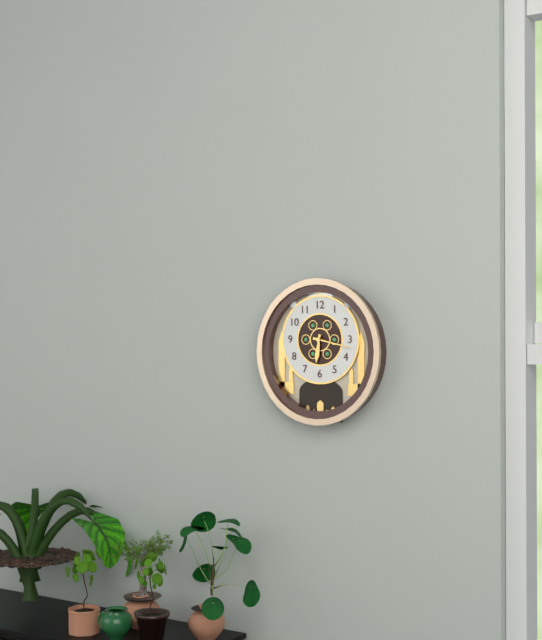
6:17
